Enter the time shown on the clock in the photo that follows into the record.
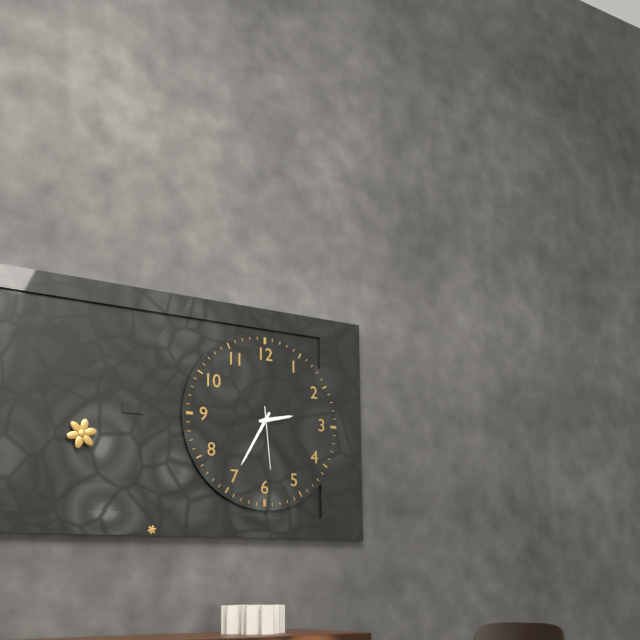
2:35:29
